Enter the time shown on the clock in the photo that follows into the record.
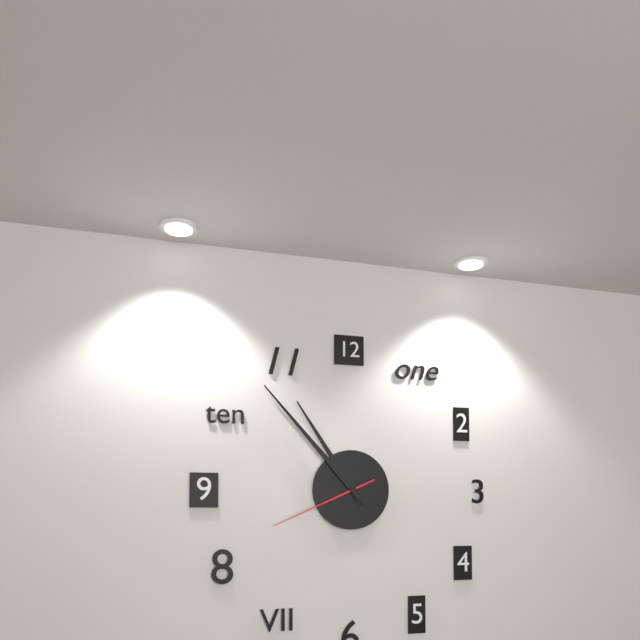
10:53:41
